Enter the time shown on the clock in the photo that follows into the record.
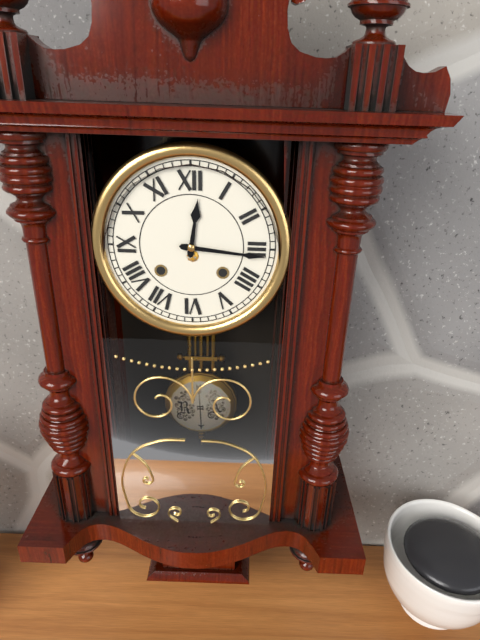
12:16
